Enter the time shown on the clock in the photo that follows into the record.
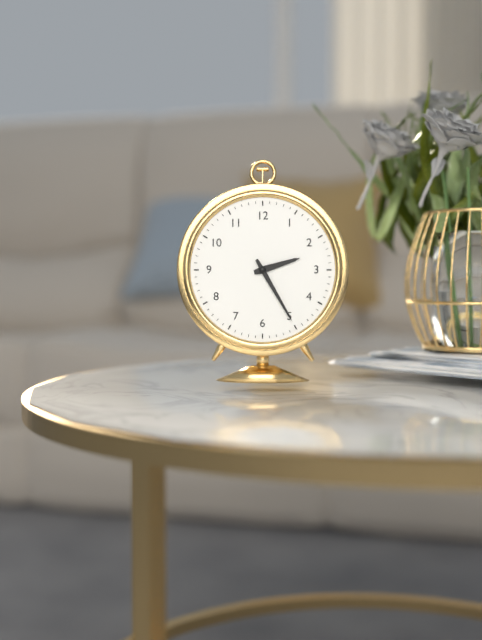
2:25
